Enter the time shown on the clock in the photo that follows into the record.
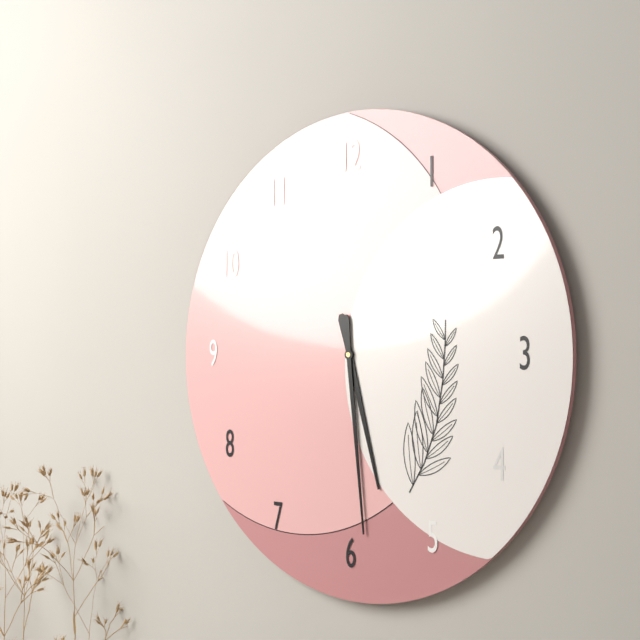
5:29
